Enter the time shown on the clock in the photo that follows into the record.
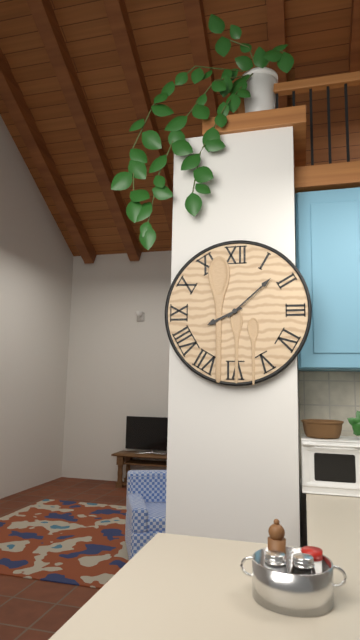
8:08
